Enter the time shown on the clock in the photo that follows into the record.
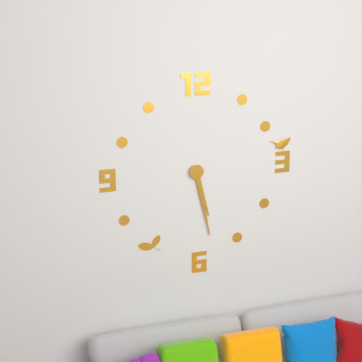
5:28
